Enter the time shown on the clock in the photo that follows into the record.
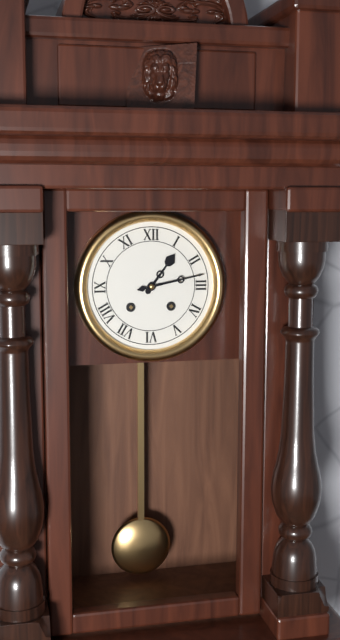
1:13
